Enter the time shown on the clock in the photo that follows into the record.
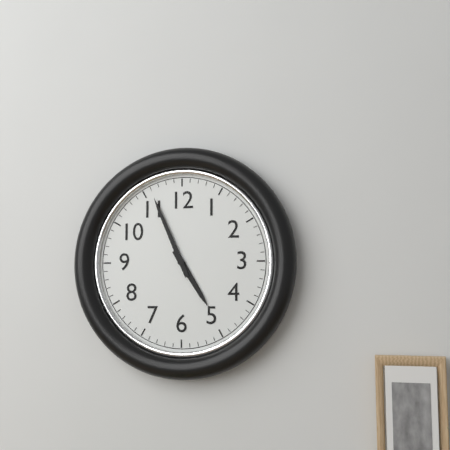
4:56
